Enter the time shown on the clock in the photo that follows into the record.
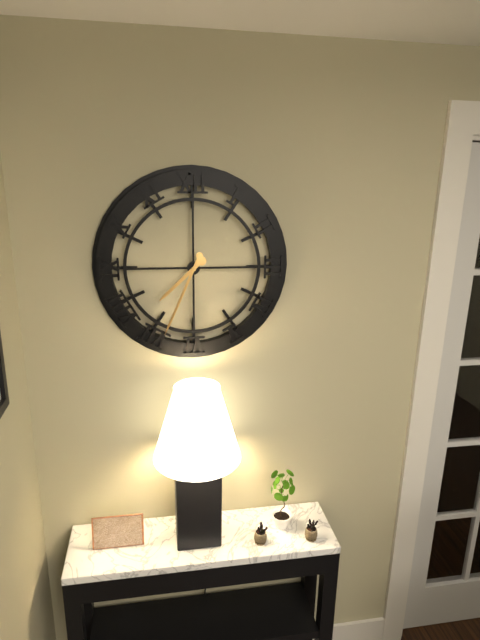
7:34
